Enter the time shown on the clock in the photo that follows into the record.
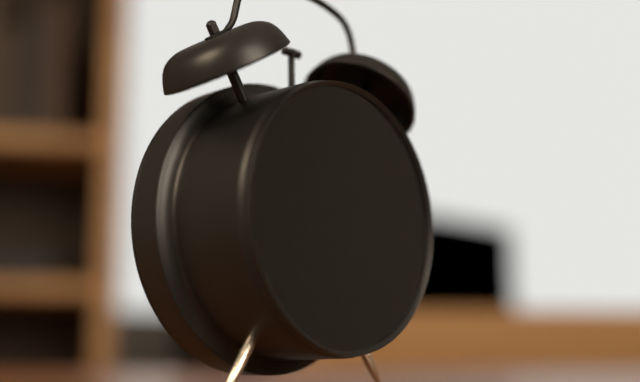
7:35:24
